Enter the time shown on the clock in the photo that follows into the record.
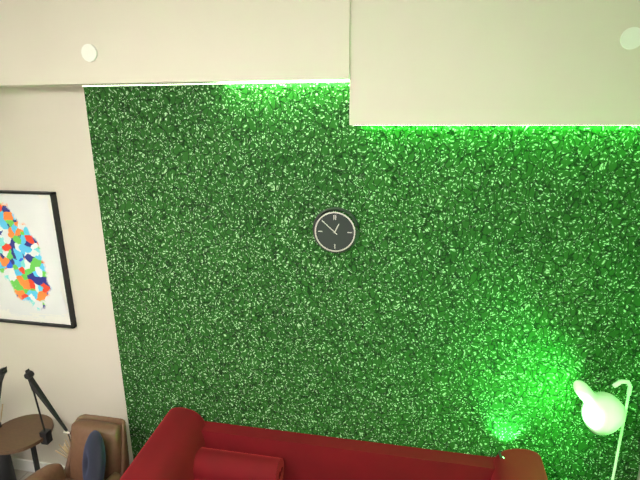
12:52
